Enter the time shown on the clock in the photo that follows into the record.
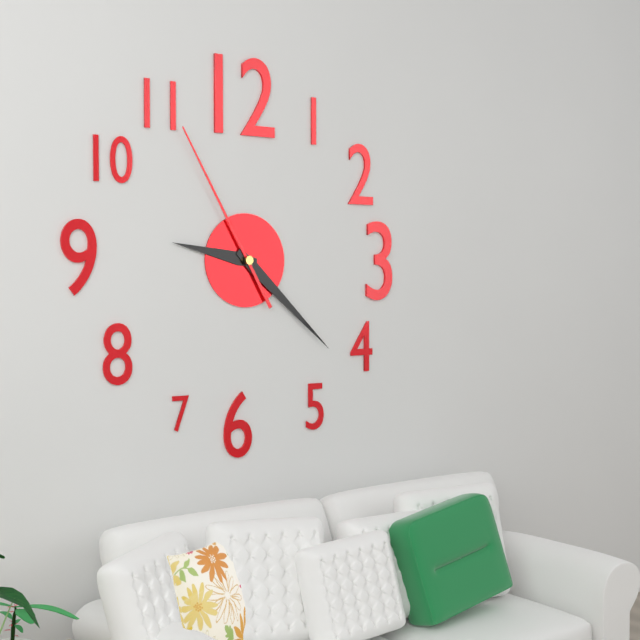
9:22:55
